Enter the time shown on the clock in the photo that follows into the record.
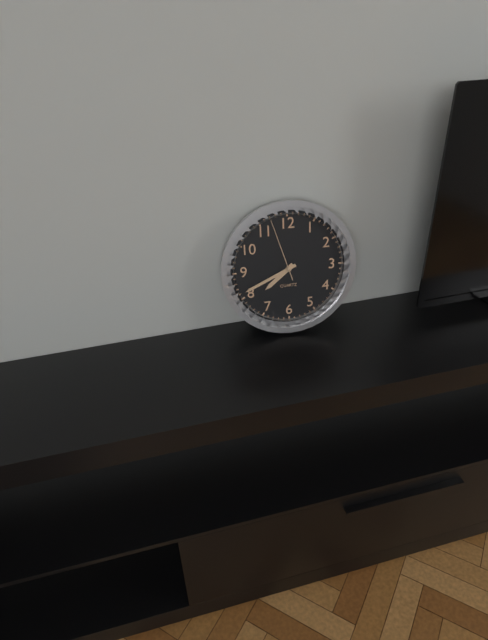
7:41:57
